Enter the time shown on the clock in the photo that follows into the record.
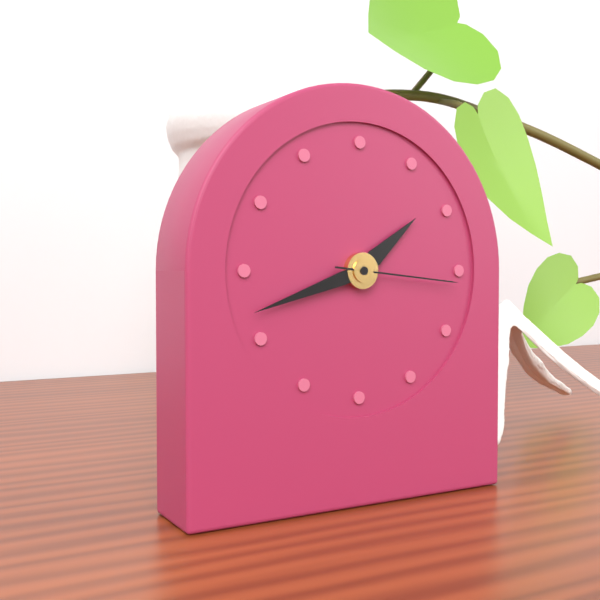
1:42:16
